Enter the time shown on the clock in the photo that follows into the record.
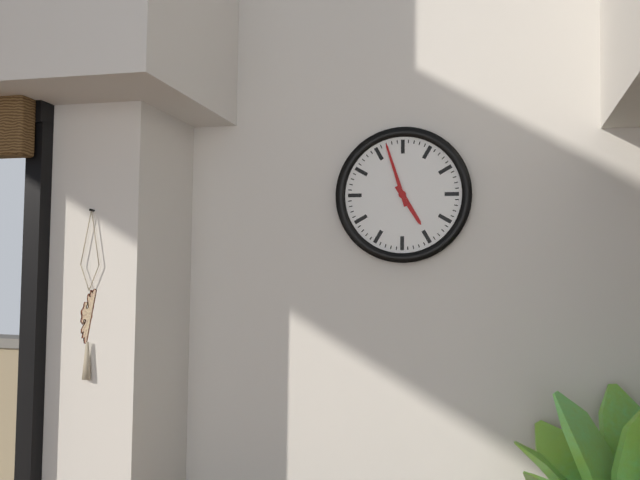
4:57
